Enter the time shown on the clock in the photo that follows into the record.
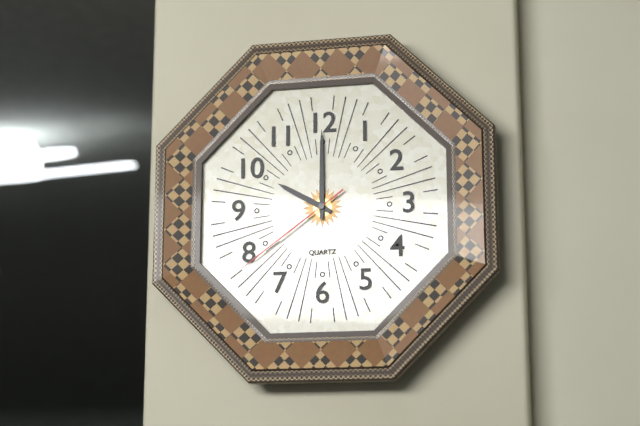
10:00:39
